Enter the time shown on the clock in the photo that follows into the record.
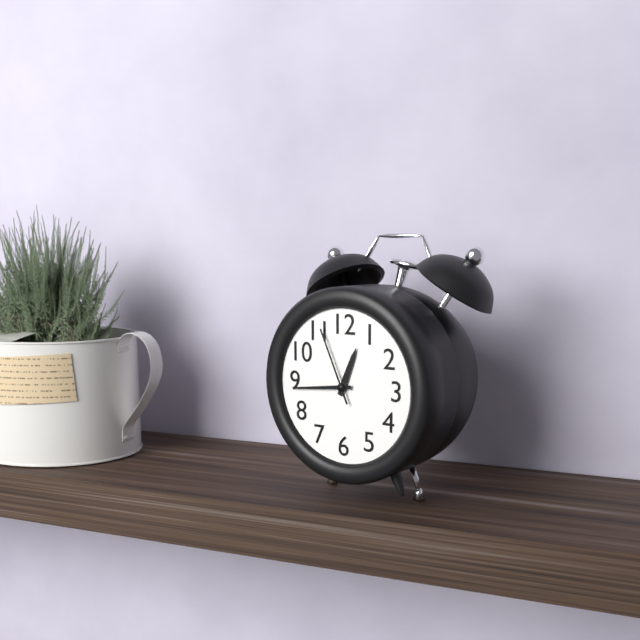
12:44:56
